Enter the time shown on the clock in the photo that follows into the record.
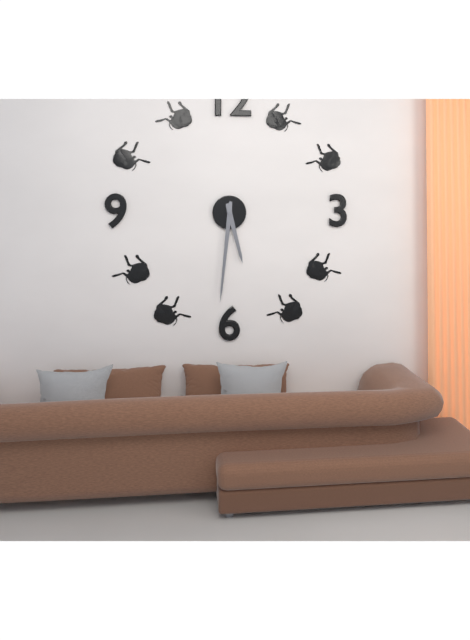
5:31
